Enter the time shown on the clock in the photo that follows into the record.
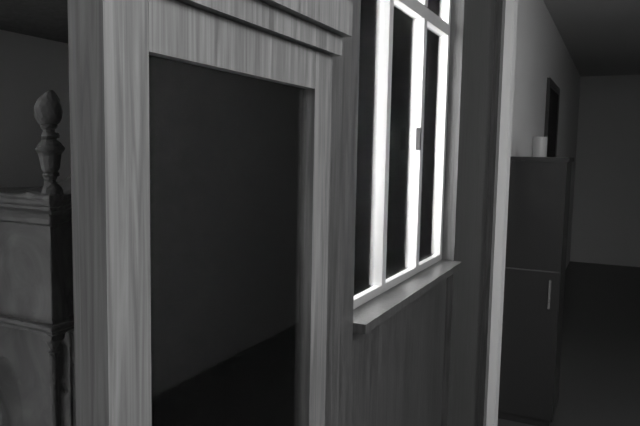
4:49
